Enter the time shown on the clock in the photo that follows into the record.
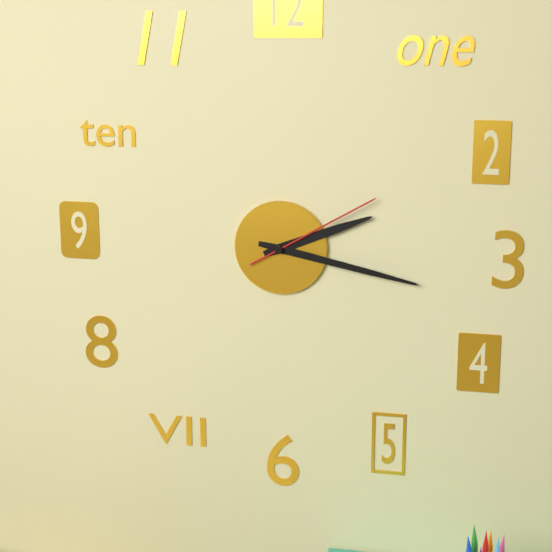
2:17:10
